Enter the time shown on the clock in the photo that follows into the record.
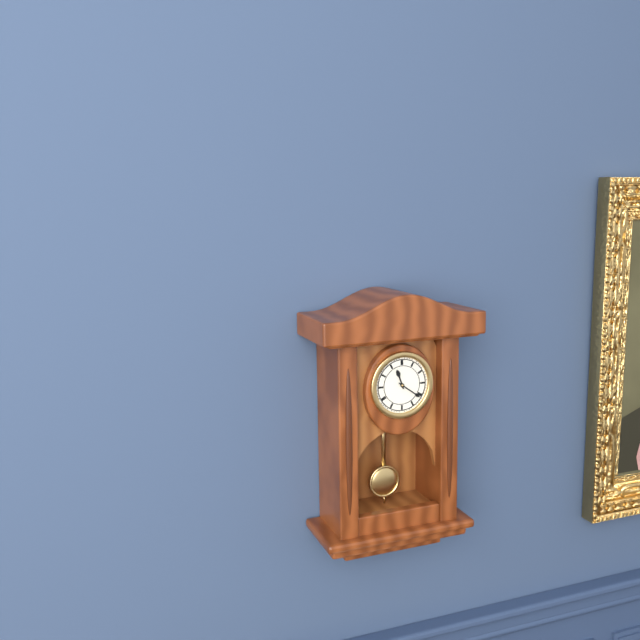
11:21
